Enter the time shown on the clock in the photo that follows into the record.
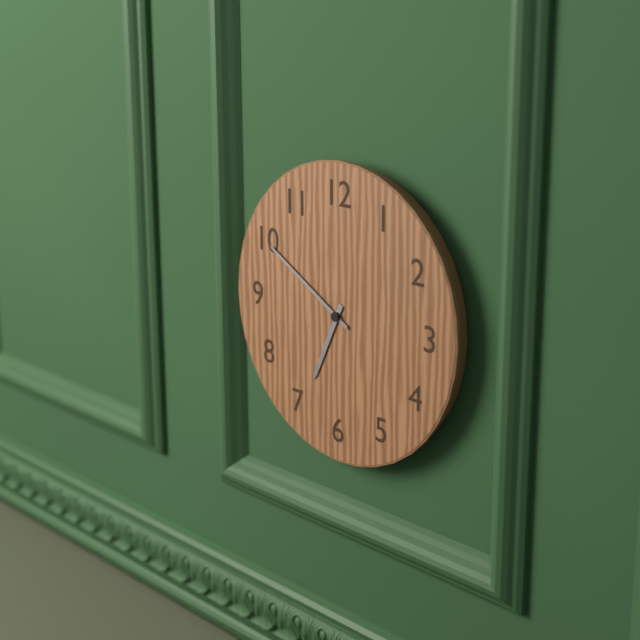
6:50
